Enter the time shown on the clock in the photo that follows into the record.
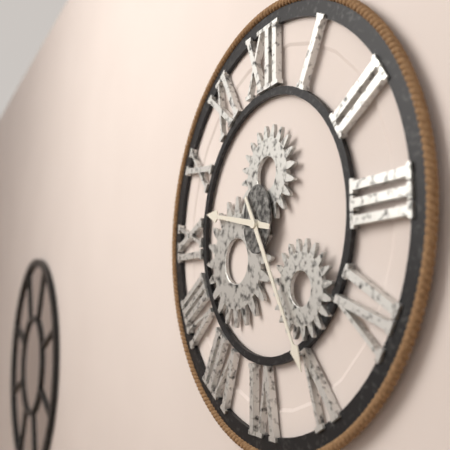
9:25
